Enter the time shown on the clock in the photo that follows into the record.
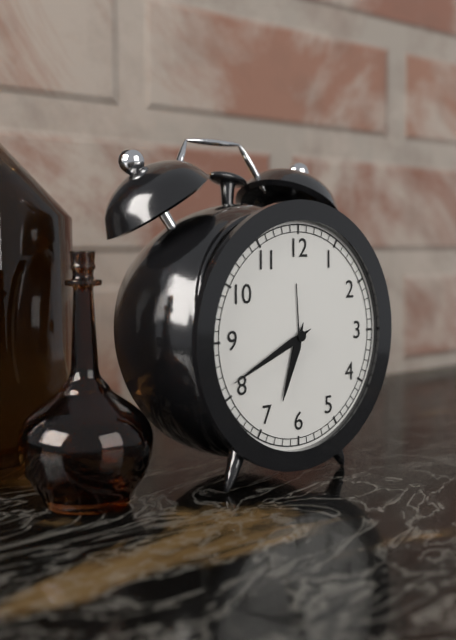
6:41
